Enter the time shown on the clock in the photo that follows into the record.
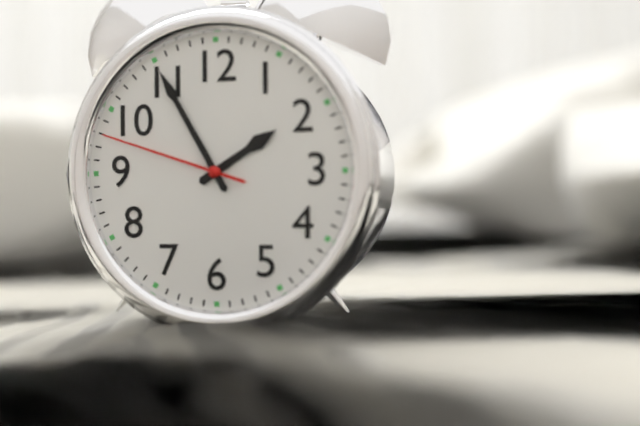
1:55:48
